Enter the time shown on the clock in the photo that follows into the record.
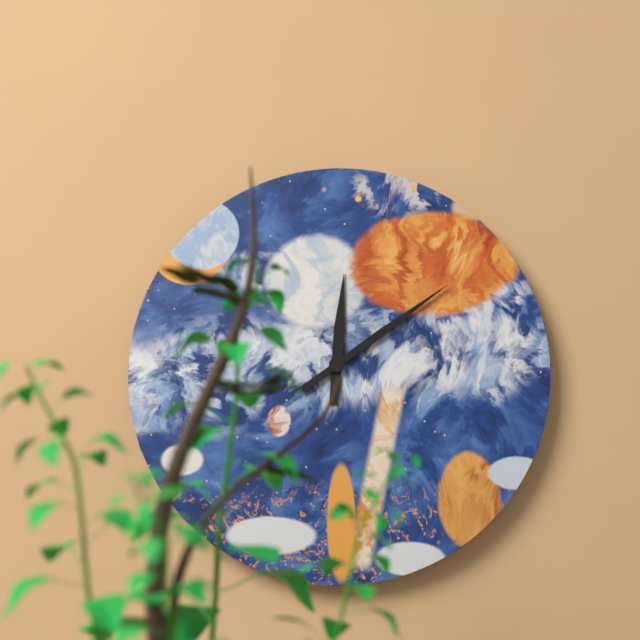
12:09
